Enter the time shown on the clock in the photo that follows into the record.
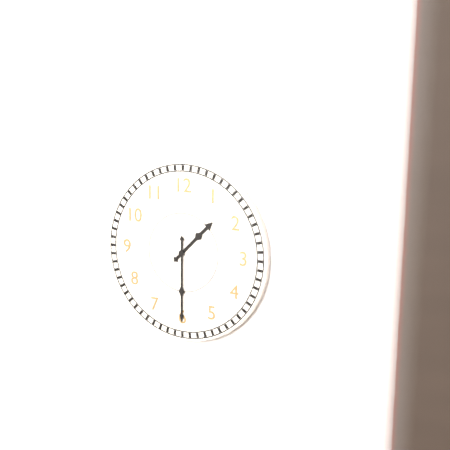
1:30
